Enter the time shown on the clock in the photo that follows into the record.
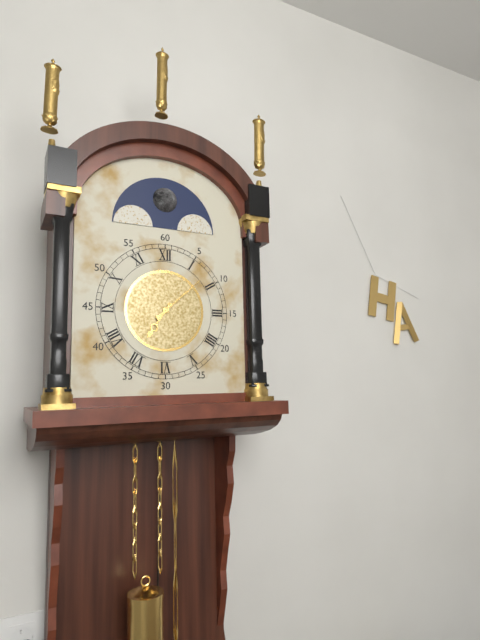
7:08
